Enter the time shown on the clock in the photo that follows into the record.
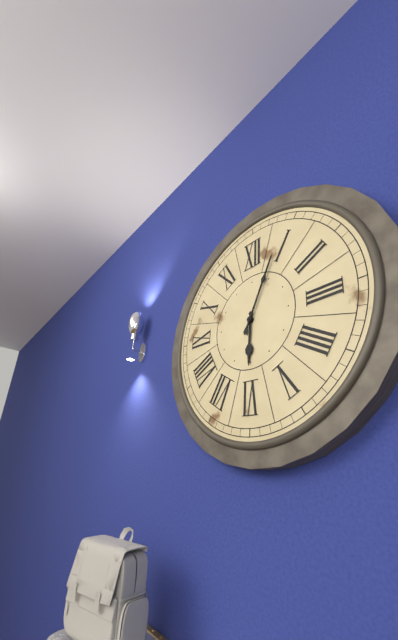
6:04
